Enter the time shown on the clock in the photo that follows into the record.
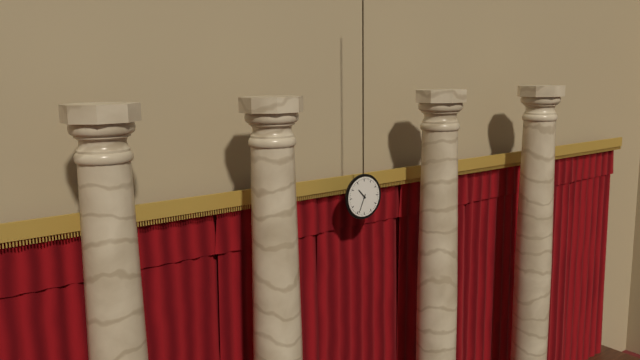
10:34
